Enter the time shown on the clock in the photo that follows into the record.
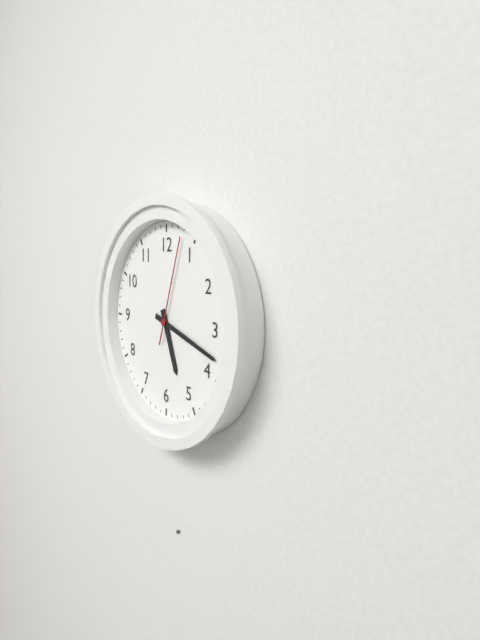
5:18:03
